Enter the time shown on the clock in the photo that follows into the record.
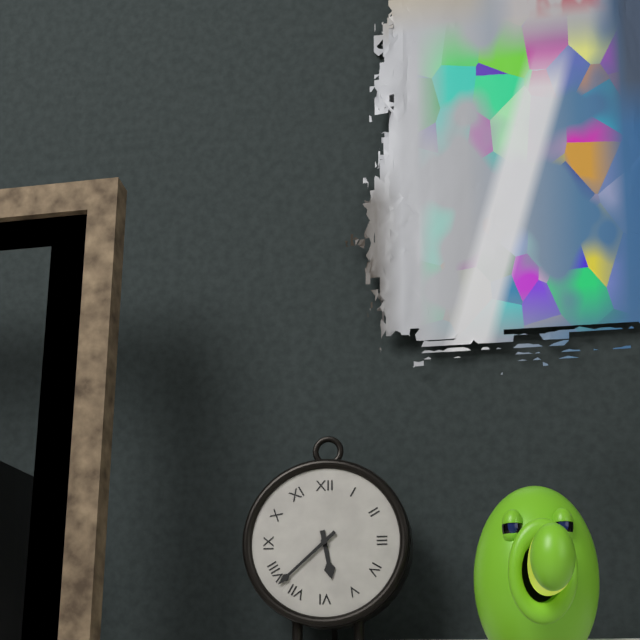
5:38
